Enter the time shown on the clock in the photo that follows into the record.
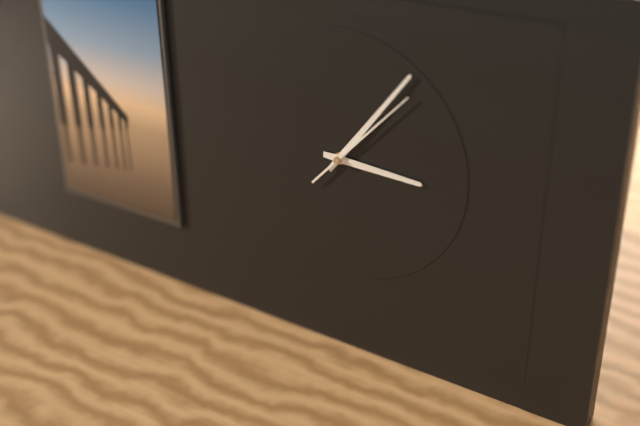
3:06:07
